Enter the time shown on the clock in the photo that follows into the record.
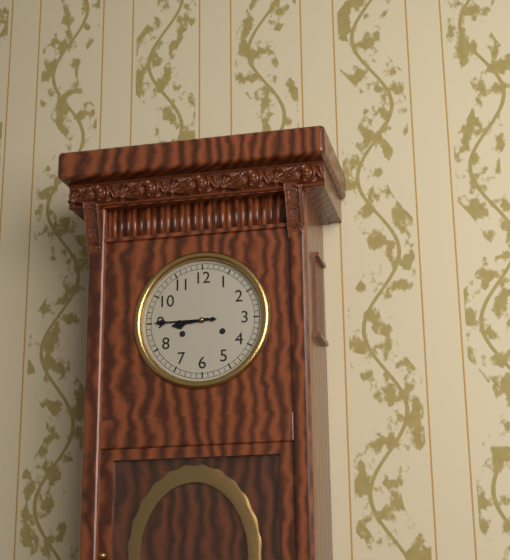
8:45
